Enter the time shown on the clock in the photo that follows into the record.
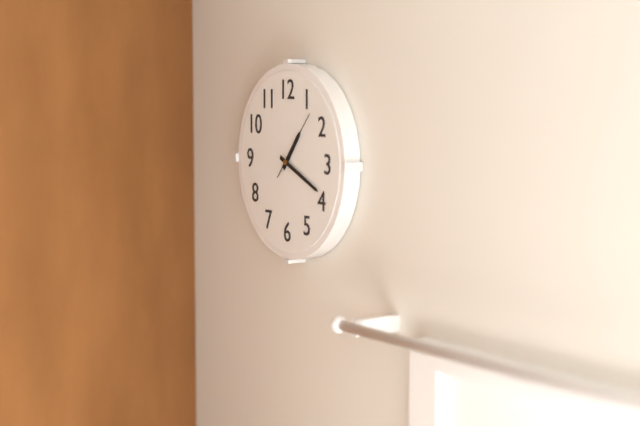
1:19:07
